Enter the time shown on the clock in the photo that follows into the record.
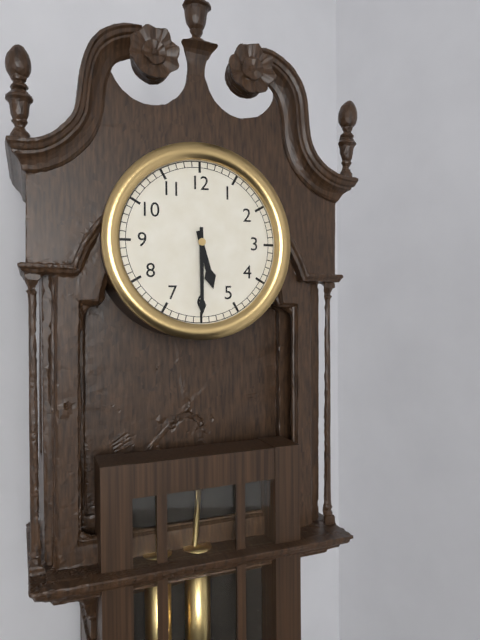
5:30
